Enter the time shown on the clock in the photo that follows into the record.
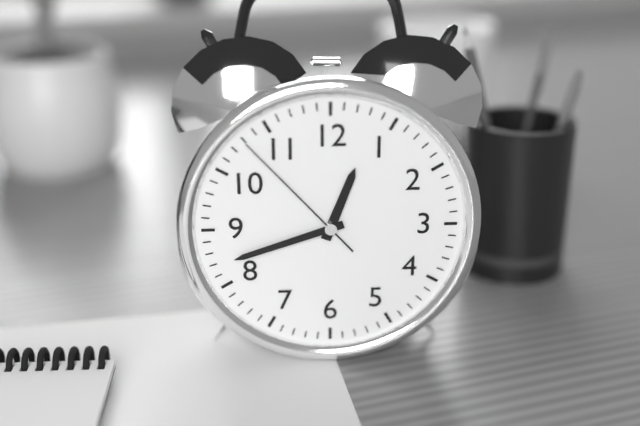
12:42:53
